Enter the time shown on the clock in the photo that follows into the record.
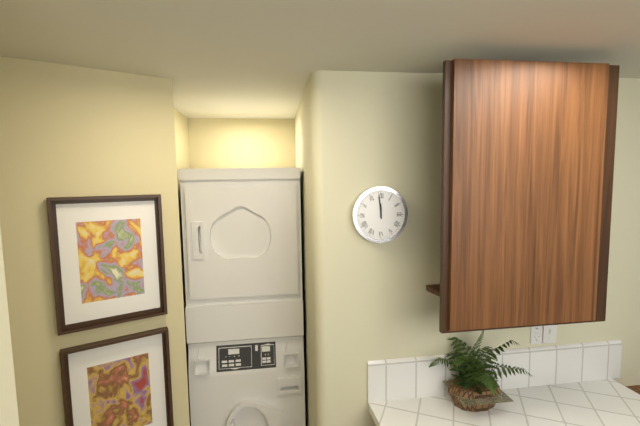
11:59
